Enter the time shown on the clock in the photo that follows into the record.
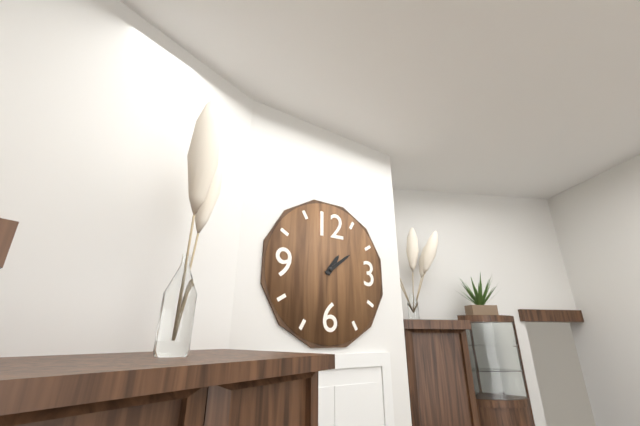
1:09
